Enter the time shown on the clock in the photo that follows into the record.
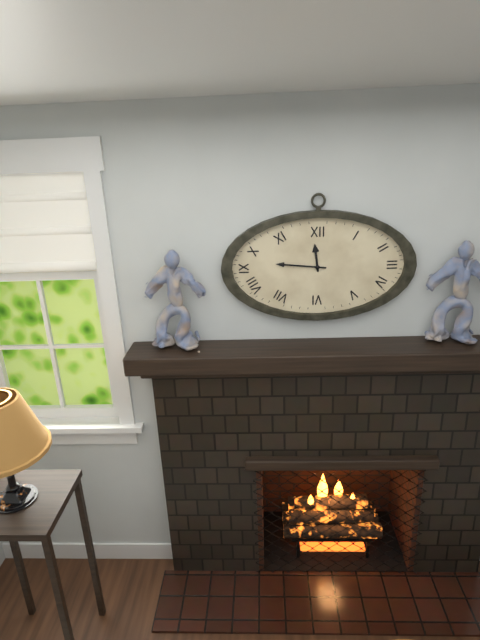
11:46
